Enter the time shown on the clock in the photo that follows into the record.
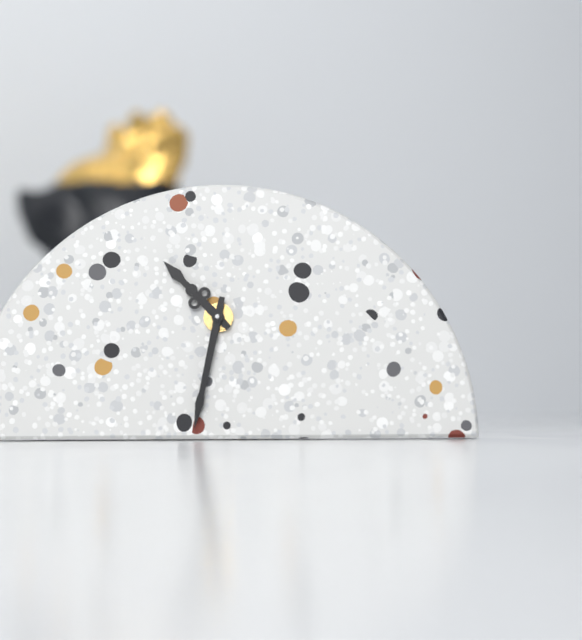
10:32
